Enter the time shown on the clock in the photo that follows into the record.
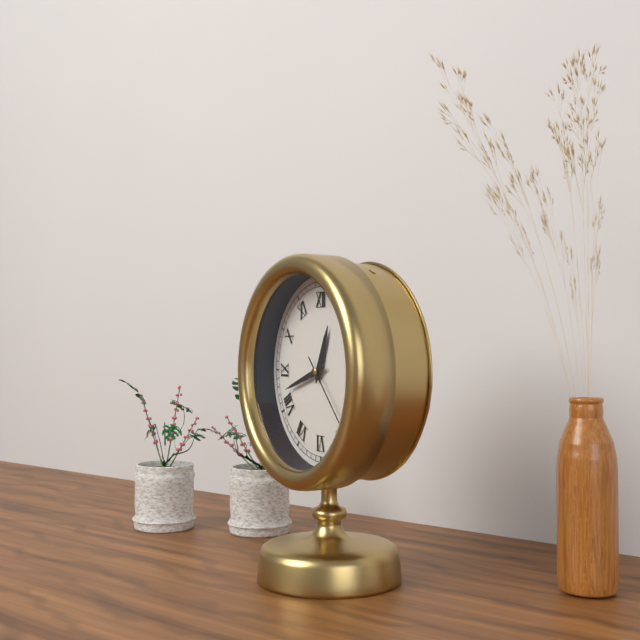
12:42:23
